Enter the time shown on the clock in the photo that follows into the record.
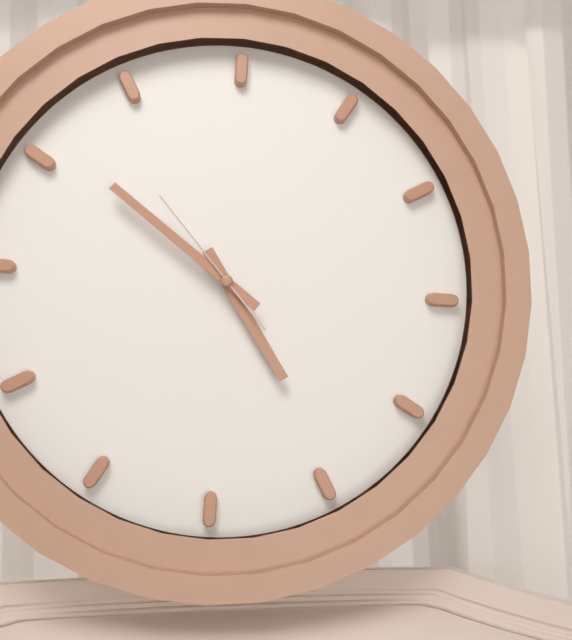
4:51:53
